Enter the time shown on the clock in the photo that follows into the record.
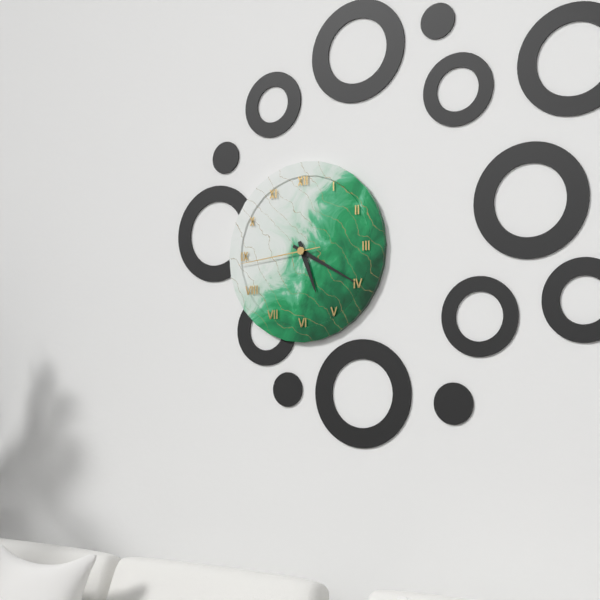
5:20:44
